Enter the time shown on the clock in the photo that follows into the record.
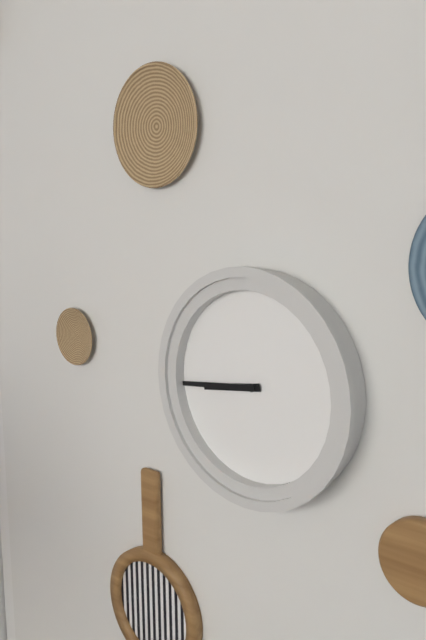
8:44
